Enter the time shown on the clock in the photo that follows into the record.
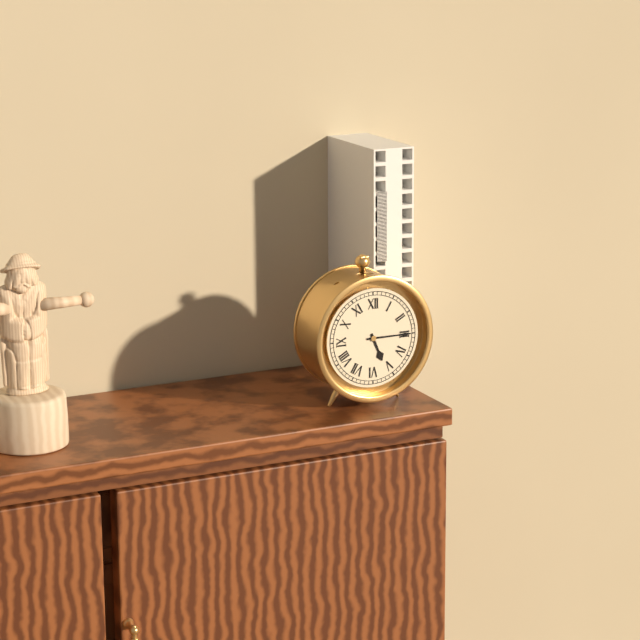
5:15
